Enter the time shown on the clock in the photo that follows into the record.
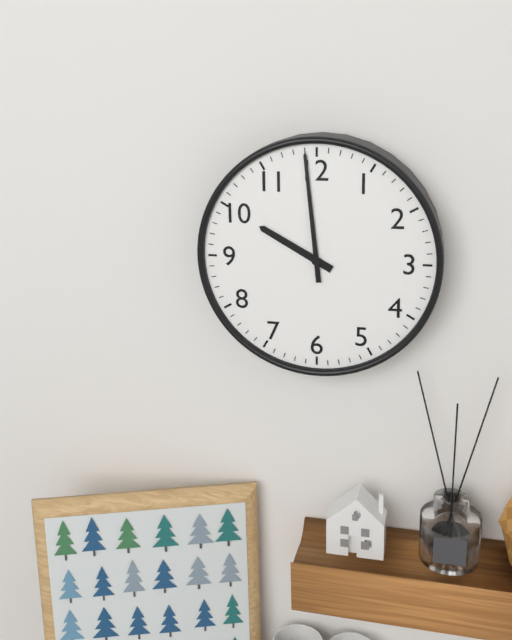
9:59
